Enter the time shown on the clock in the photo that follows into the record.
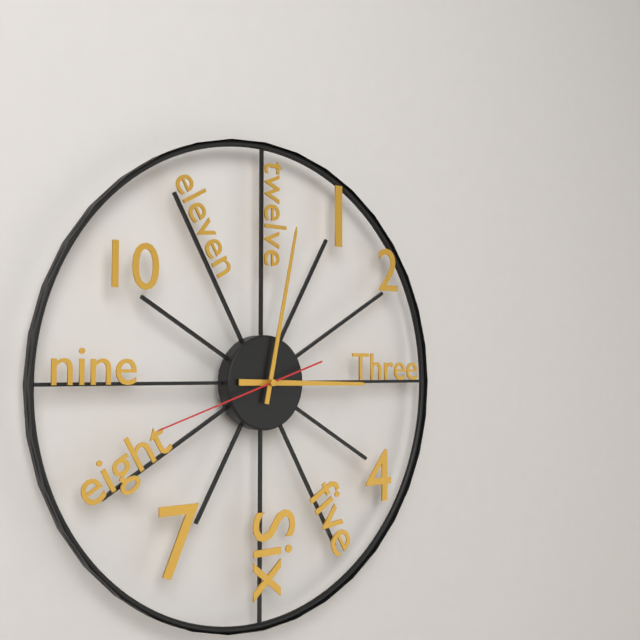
3:02:42
